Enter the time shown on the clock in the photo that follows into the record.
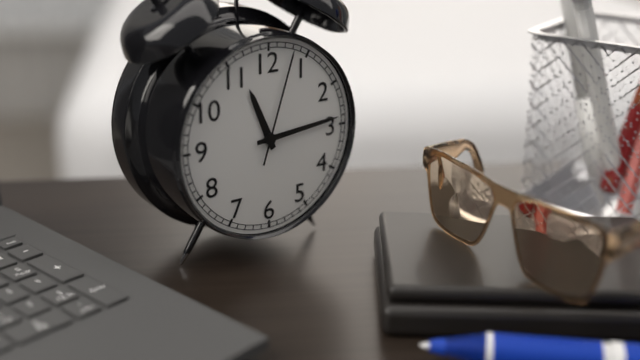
11:14:03
